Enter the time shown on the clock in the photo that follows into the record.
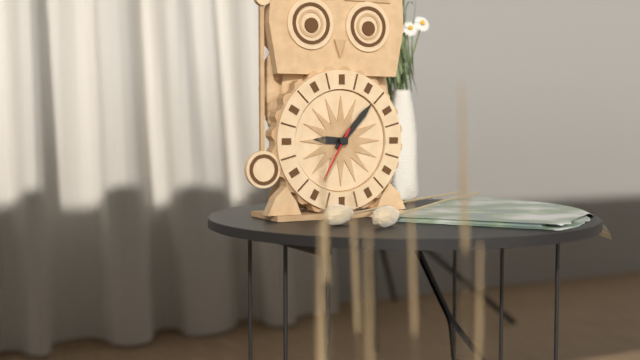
9:07:35
